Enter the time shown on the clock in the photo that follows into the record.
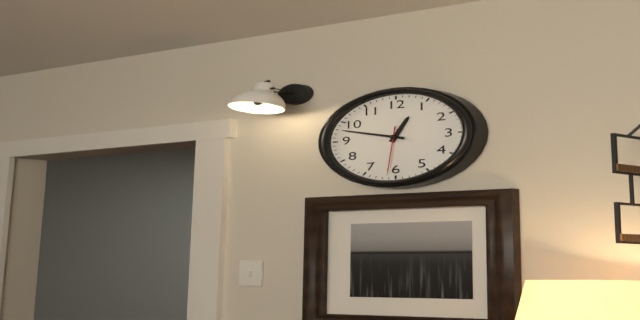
12:48
